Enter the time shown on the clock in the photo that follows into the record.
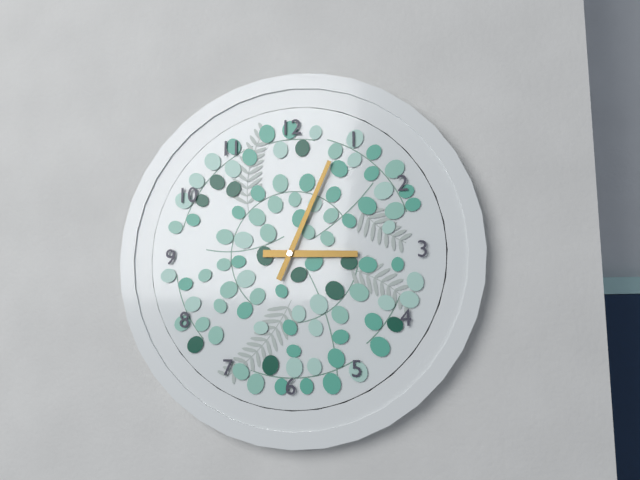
3:04
